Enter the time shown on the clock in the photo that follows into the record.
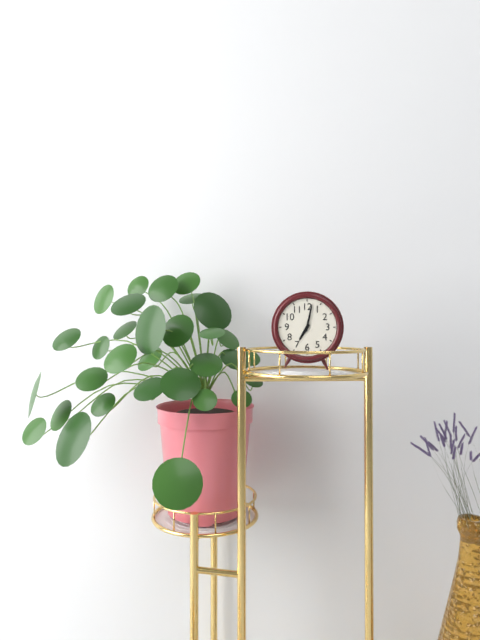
7:02
